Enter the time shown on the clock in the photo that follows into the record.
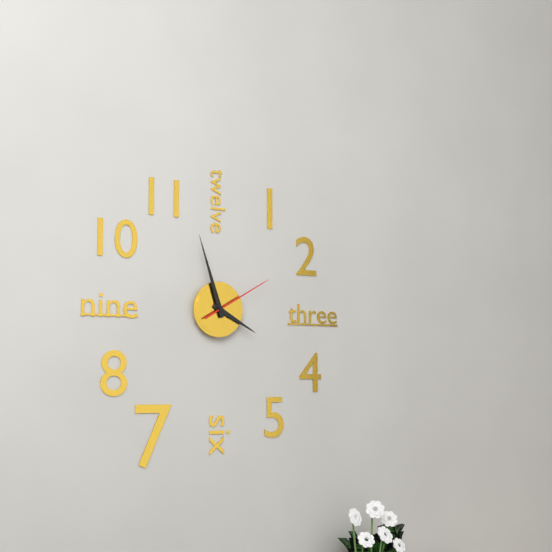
3:57:10
